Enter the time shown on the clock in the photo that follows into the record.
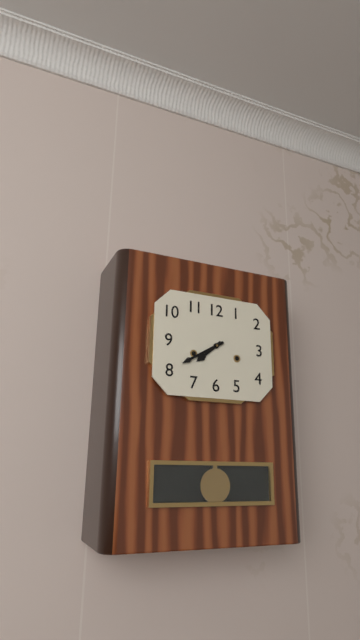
7:40
